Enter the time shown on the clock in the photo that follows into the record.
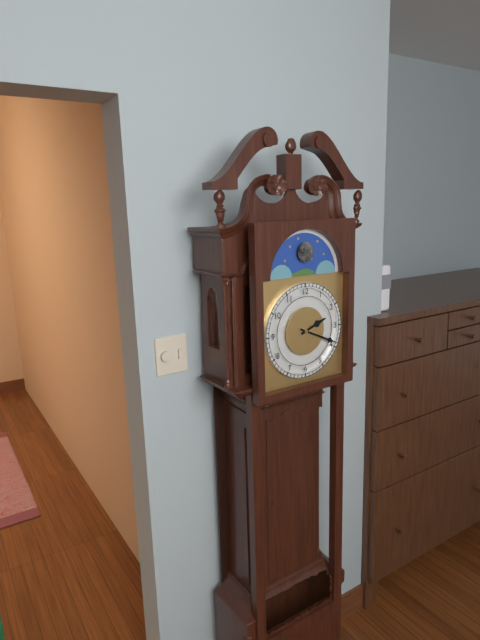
2:19
